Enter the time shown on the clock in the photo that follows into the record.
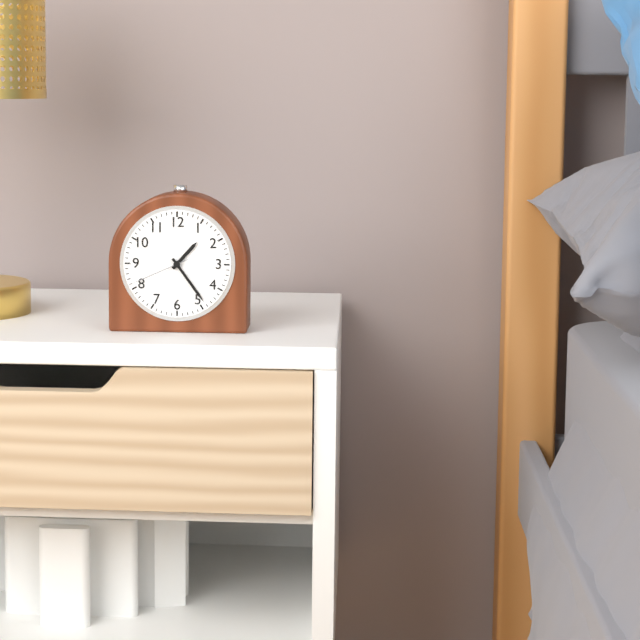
1:24:41
